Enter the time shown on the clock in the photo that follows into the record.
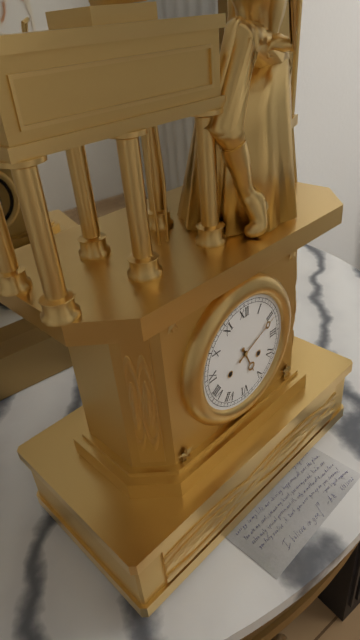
5:11
